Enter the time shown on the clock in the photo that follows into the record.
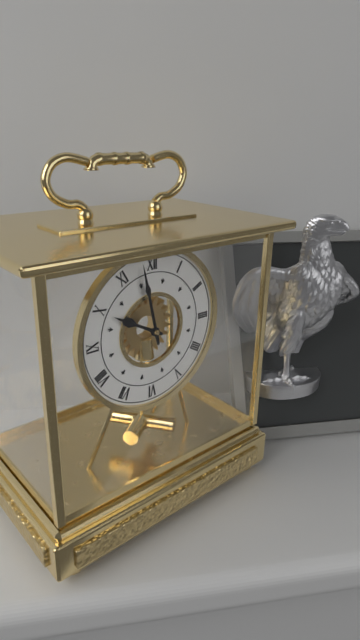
9:58
